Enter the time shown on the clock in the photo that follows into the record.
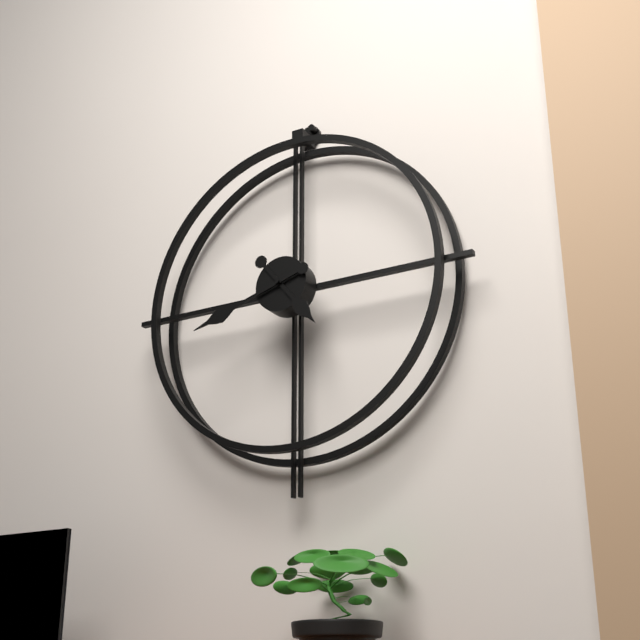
4:42
